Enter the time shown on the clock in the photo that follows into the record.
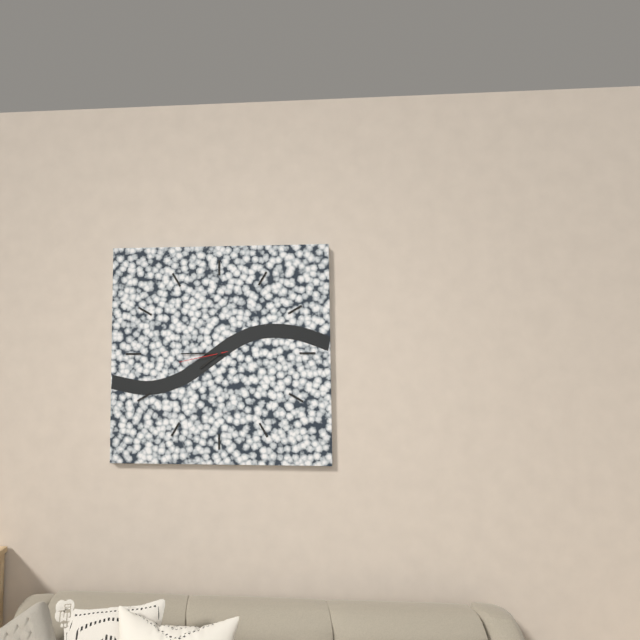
7:45:43
